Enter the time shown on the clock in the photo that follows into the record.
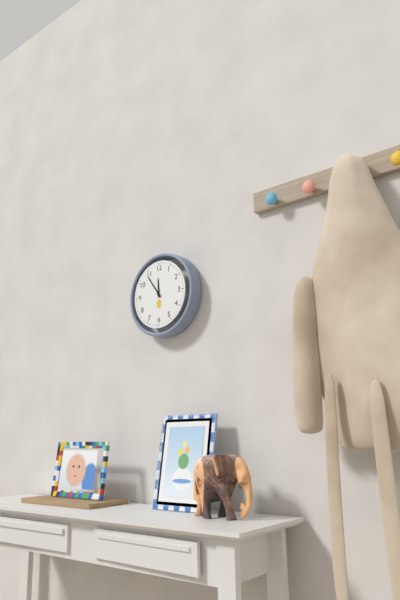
11:54
